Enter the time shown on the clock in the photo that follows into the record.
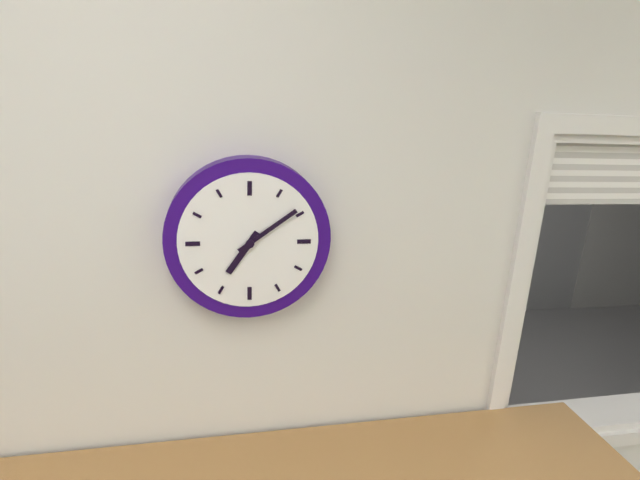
7:09
